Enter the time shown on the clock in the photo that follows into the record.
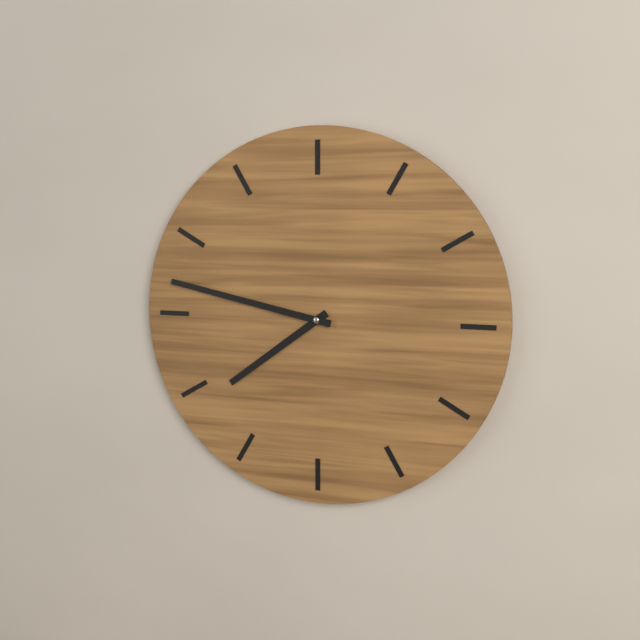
7:47
